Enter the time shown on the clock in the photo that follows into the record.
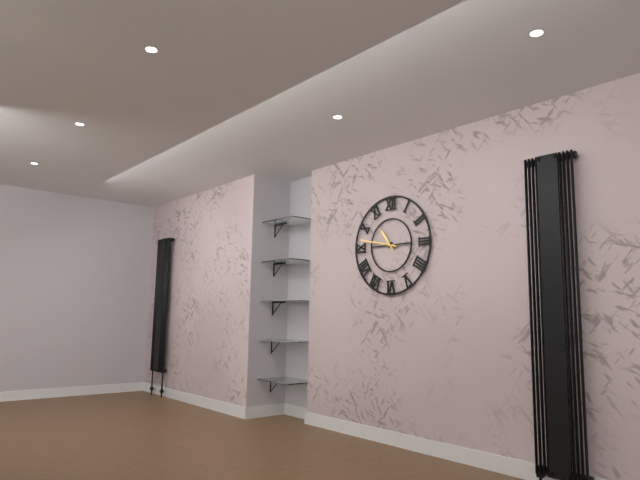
10:47
